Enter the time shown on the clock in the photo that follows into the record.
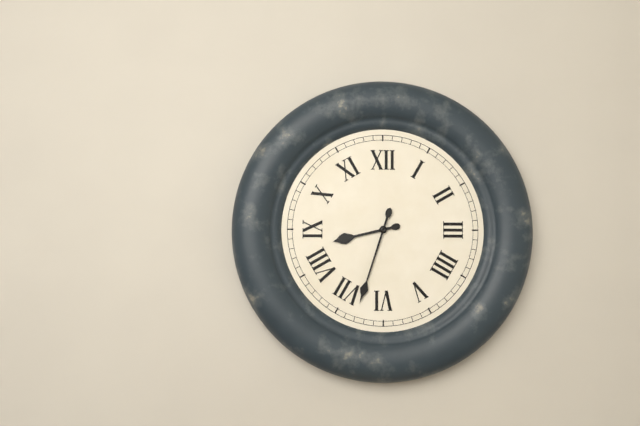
8:33
